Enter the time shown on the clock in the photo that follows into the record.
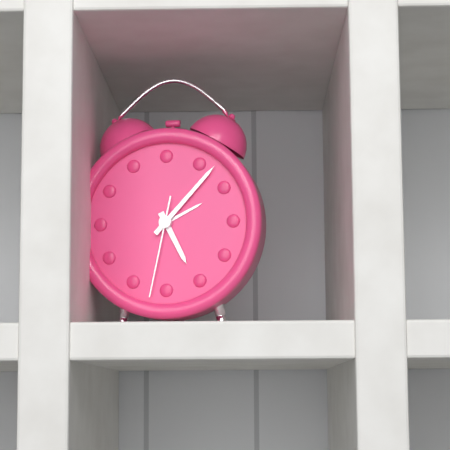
5:07:32
